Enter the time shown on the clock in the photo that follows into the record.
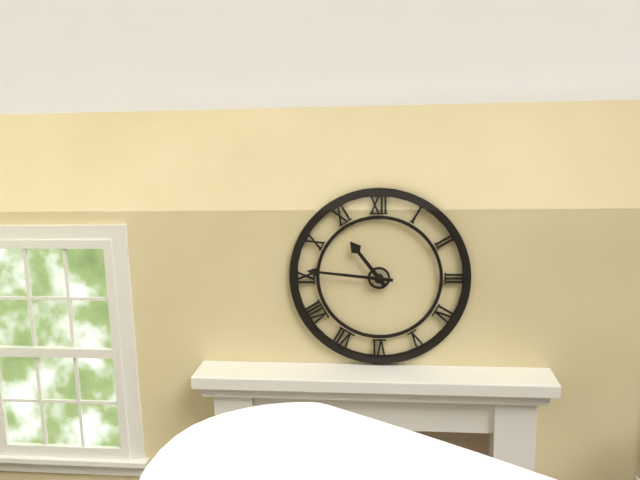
10:46
